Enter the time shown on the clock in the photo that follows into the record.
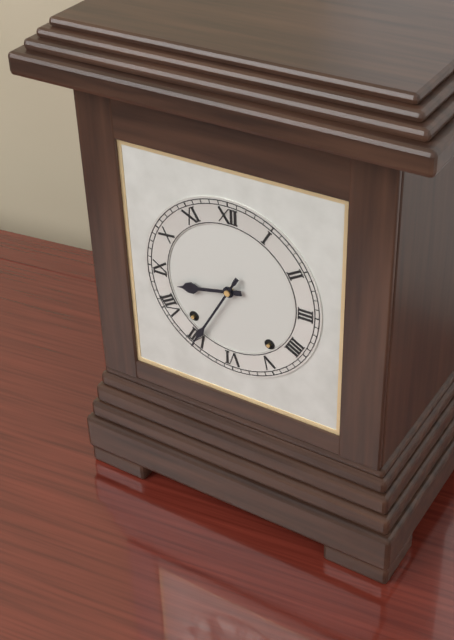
8:35
